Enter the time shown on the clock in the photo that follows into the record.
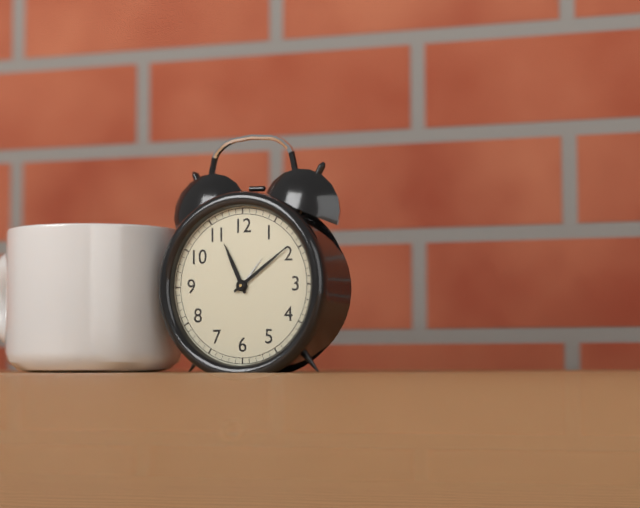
11:09
